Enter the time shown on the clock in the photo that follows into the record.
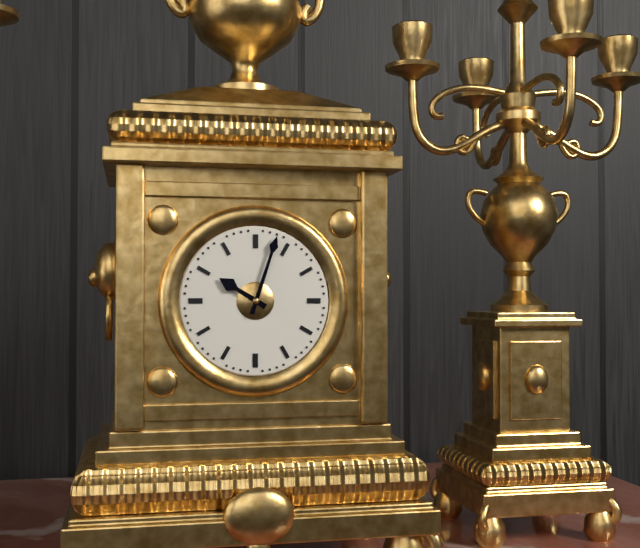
10:03
